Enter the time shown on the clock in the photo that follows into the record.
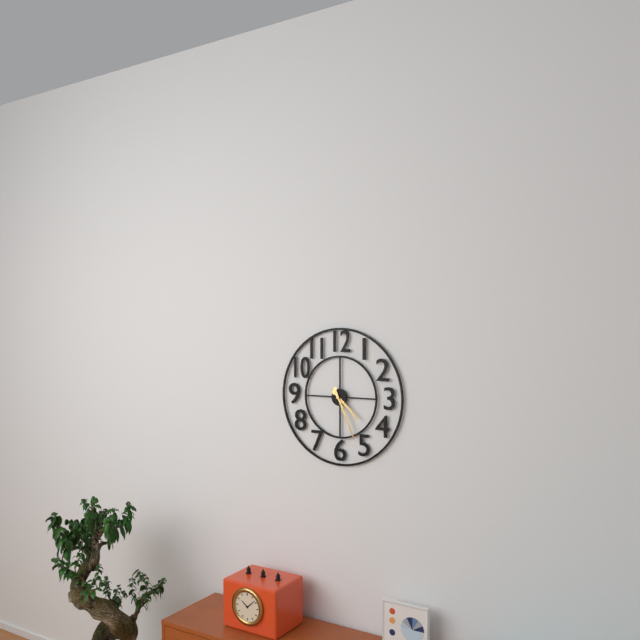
4:26
